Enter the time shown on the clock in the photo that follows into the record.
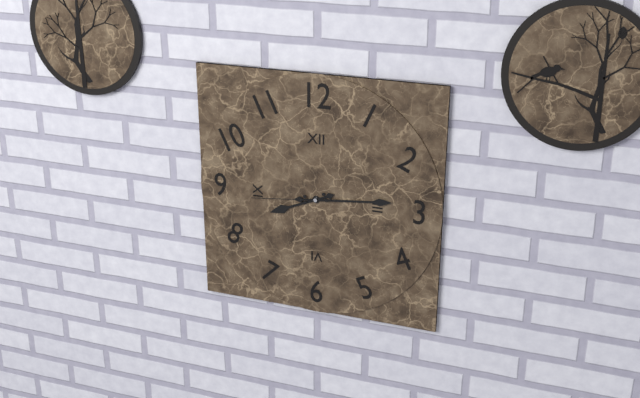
8:14:44
